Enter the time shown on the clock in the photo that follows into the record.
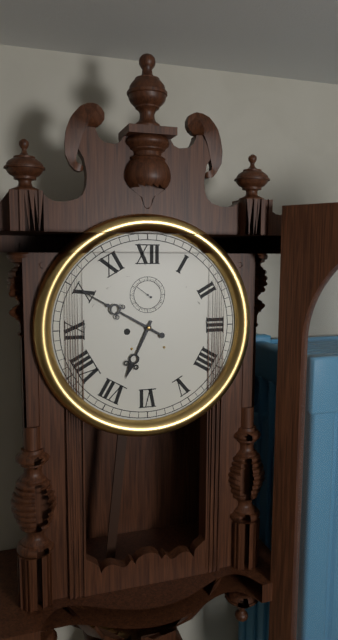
6:50
